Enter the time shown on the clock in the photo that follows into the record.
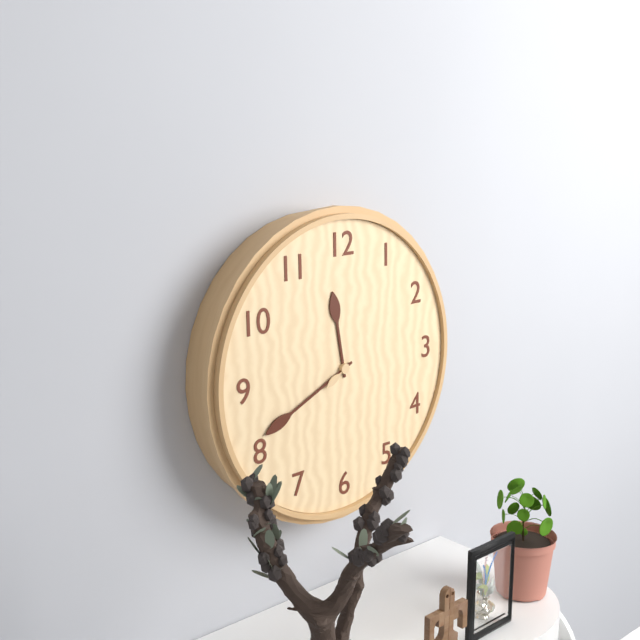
11:41
